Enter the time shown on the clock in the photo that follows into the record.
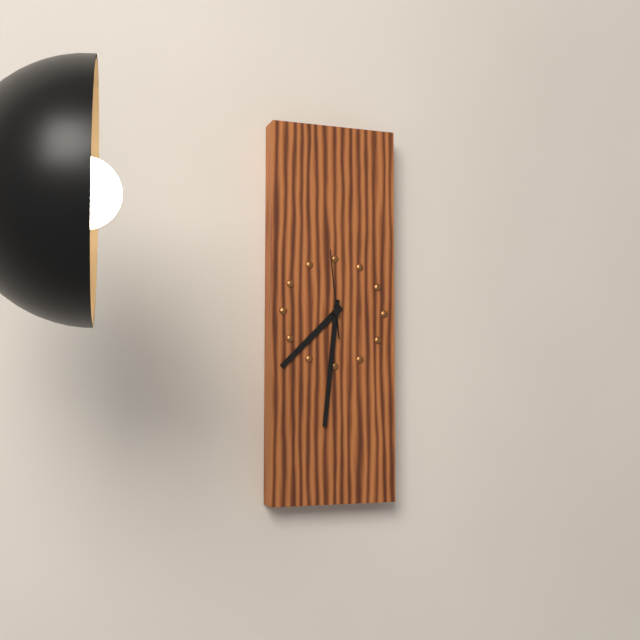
7:31:59
